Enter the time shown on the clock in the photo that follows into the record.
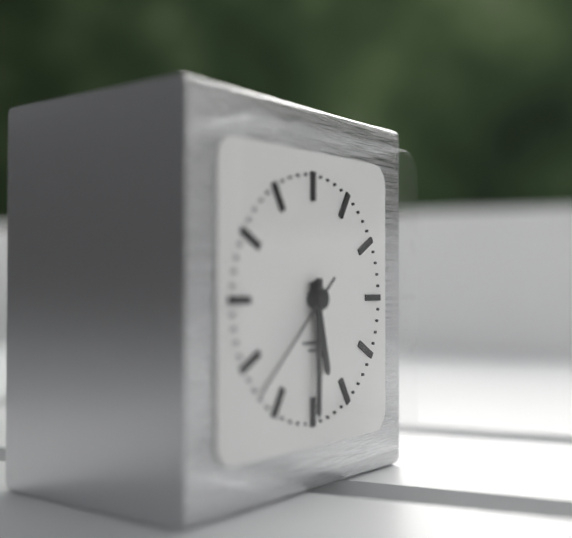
5:30:38
